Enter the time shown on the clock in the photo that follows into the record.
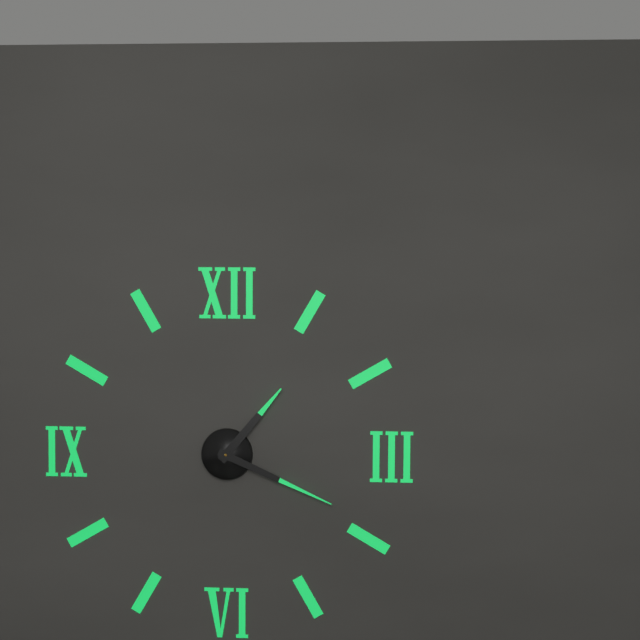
1:19
